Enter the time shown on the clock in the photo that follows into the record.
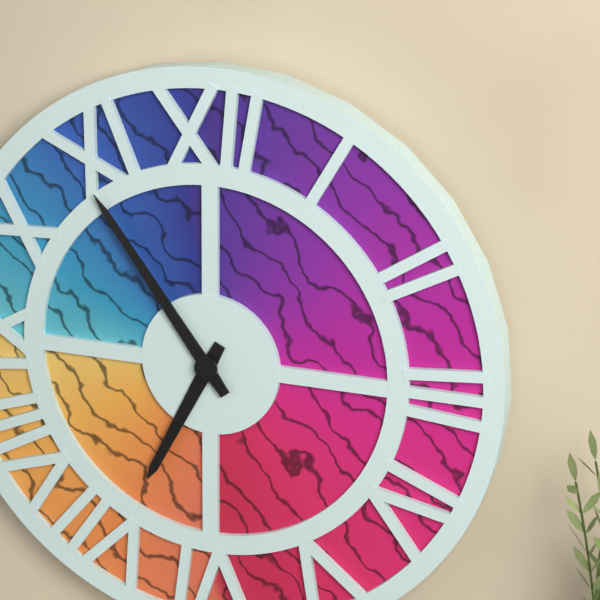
6:54
